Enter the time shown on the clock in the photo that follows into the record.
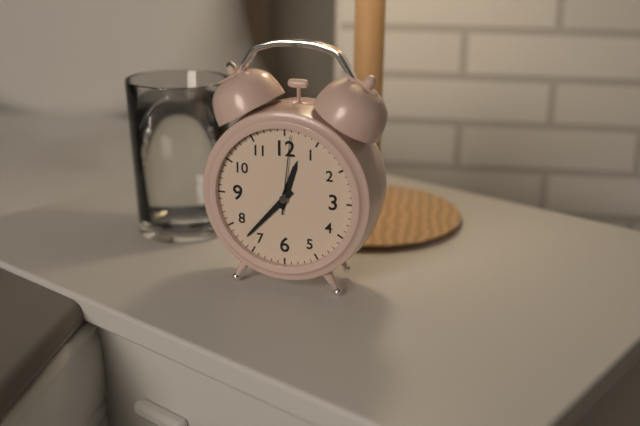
12:37:01
